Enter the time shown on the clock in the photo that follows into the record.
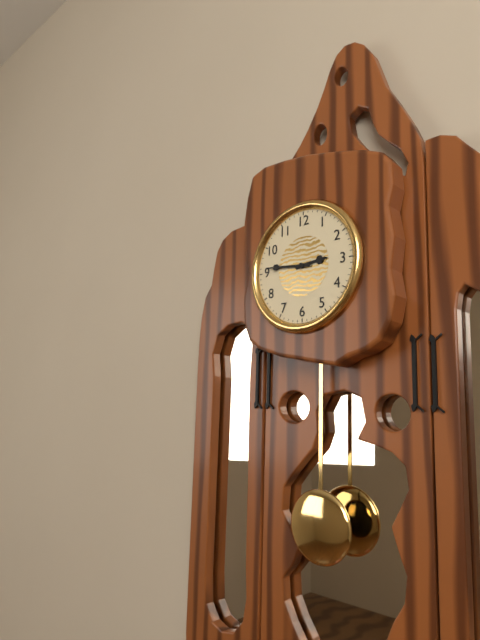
2:46
